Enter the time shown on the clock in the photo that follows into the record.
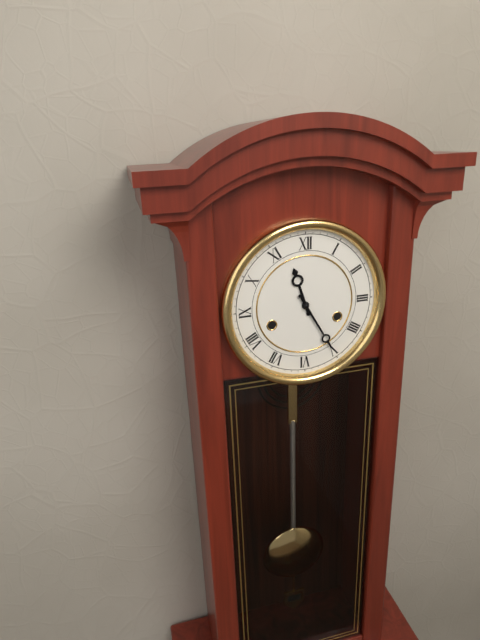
11:25
